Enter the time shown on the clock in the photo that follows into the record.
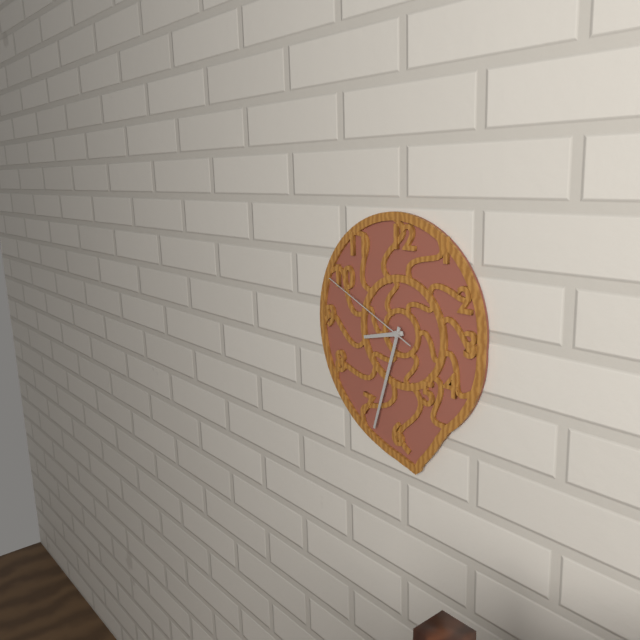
8:33:49
